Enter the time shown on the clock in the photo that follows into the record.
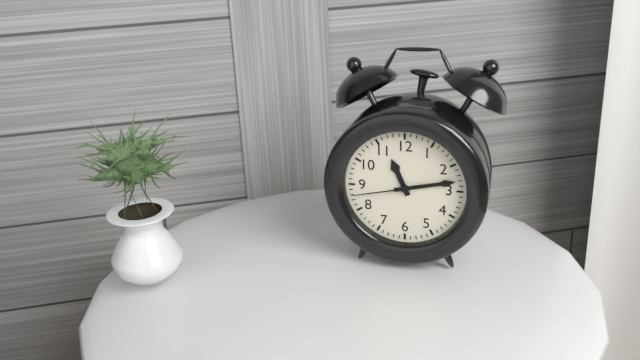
11:13:43
